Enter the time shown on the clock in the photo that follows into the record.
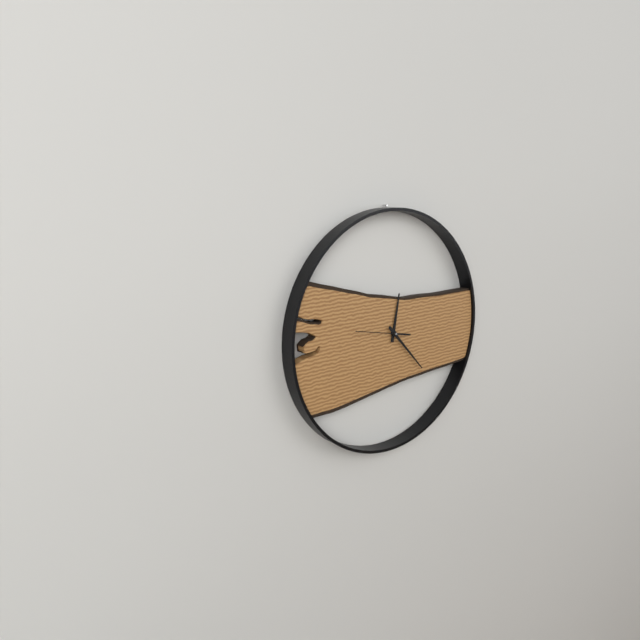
12:23
